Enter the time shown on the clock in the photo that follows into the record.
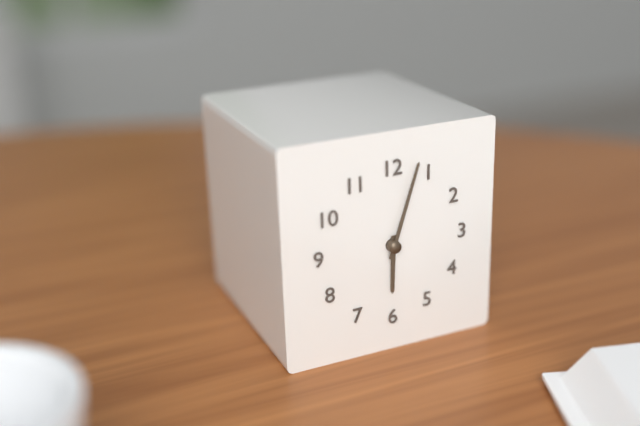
6:03
